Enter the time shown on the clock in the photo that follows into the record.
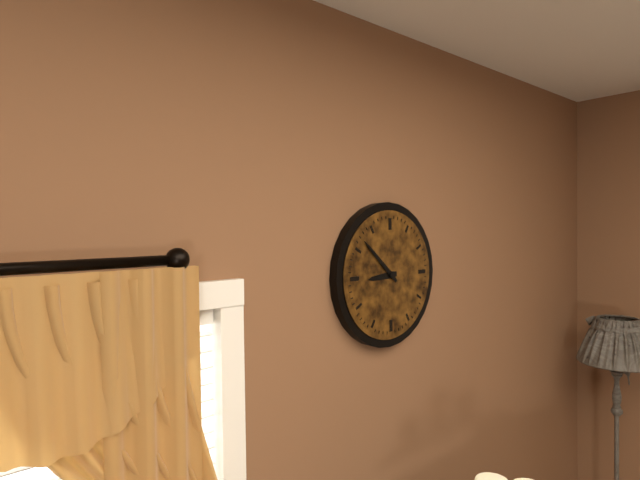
8:52
